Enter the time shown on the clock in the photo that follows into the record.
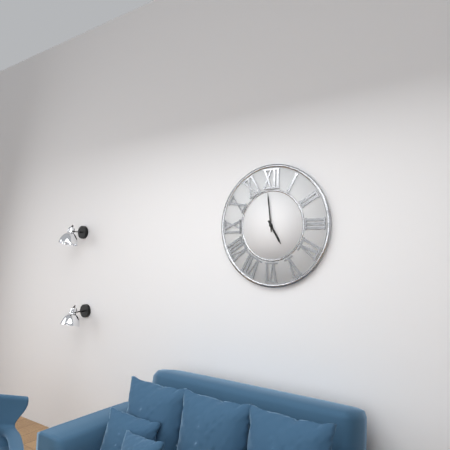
4:59
